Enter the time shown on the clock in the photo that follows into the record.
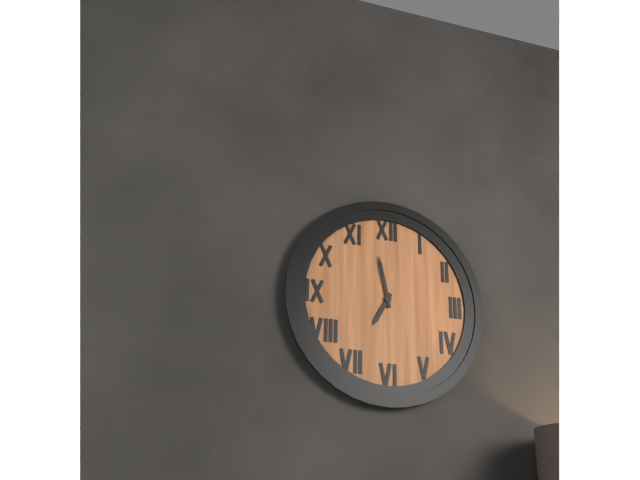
6:58
